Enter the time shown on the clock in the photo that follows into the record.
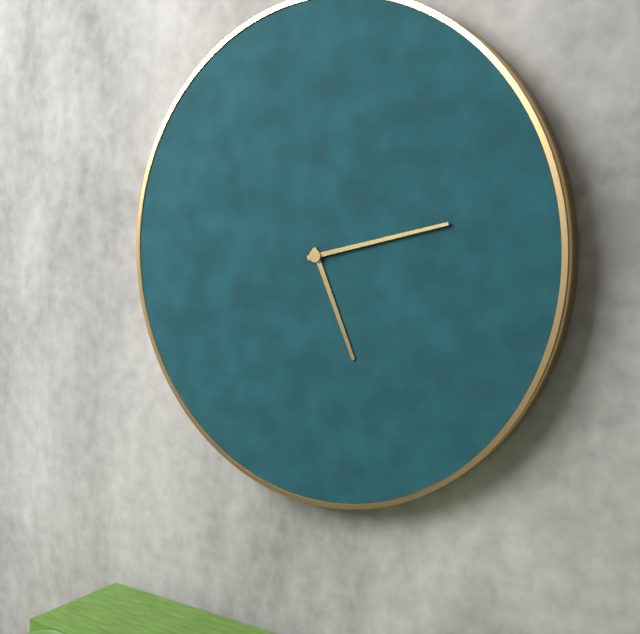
5:13
